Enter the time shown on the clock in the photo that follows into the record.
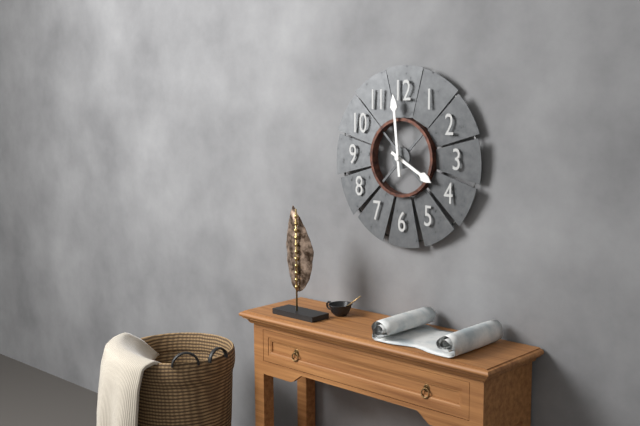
3:59
